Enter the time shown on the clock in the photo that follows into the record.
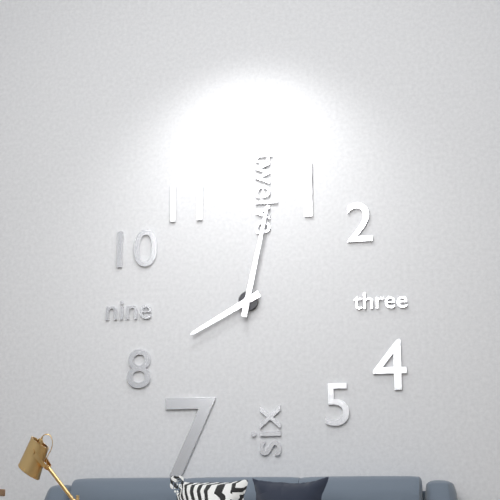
8:02
